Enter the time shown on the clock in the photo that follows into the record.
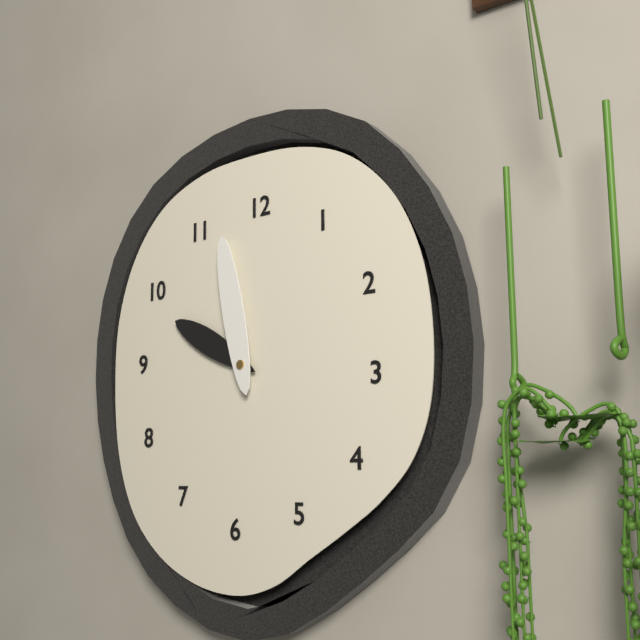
9:58
